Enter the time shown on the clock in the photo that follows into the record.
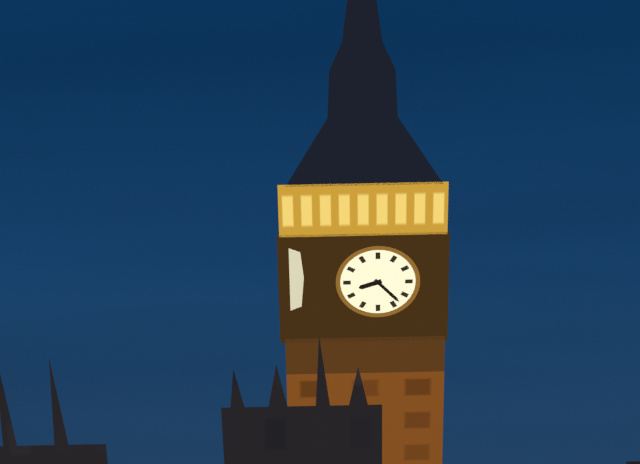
8:23
